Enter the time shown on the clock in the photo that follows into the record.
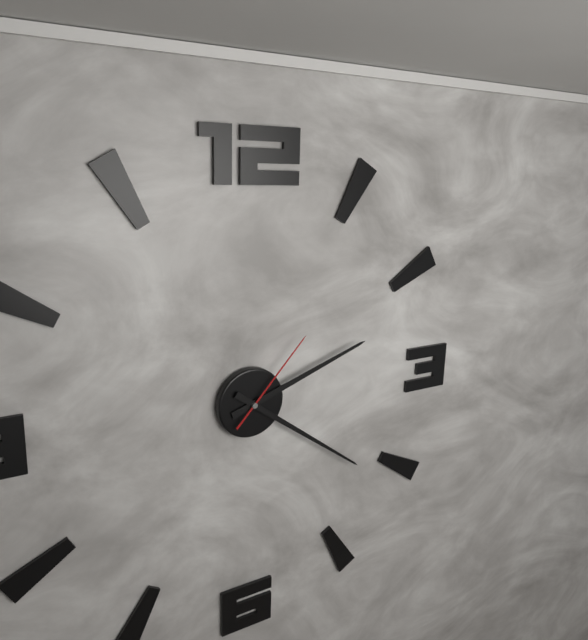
2:21:07
